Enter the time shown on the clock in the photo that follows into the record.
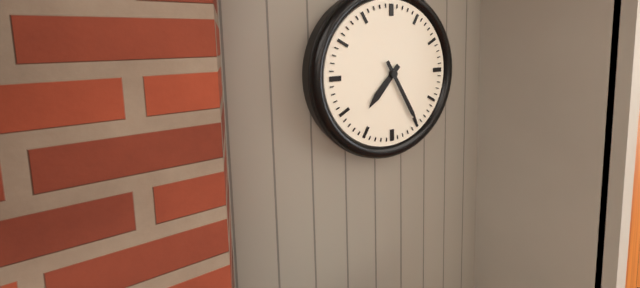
7:25
